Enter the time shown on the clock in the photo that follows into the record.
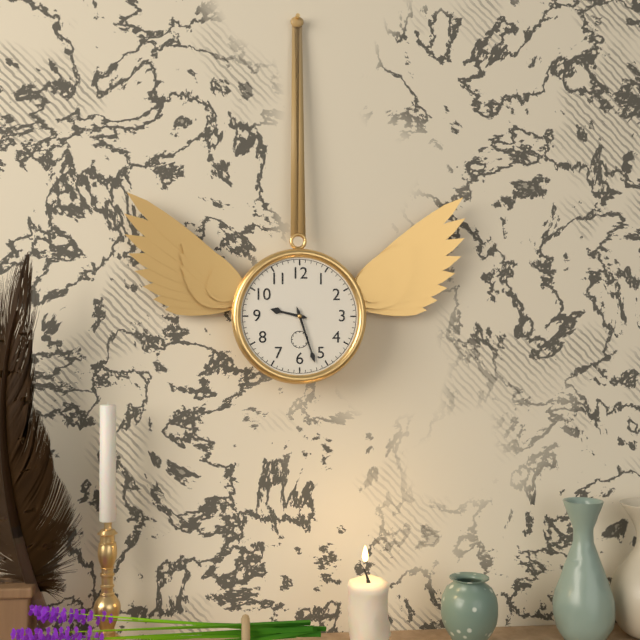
9:27
